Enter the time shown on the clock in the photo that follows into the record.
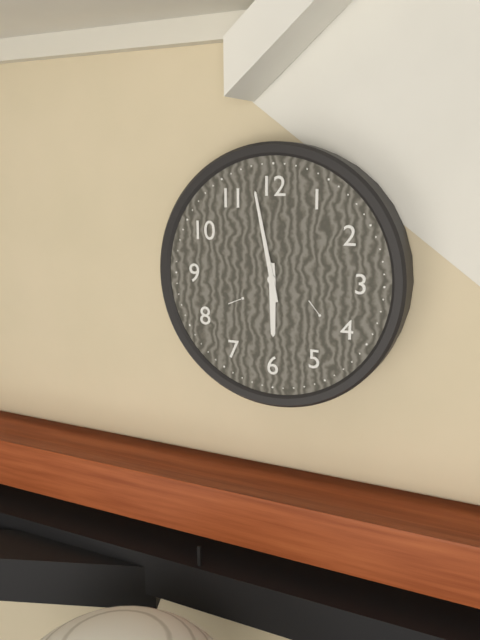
5:58
